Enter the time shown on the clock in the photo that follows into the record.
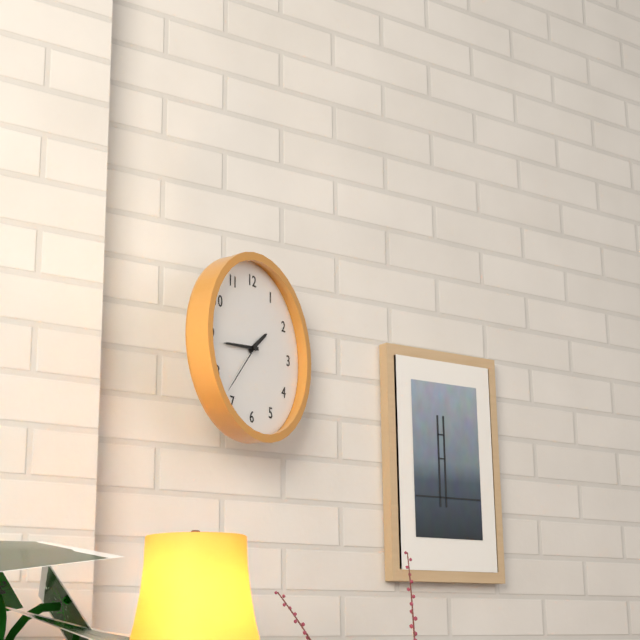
1:44:37
